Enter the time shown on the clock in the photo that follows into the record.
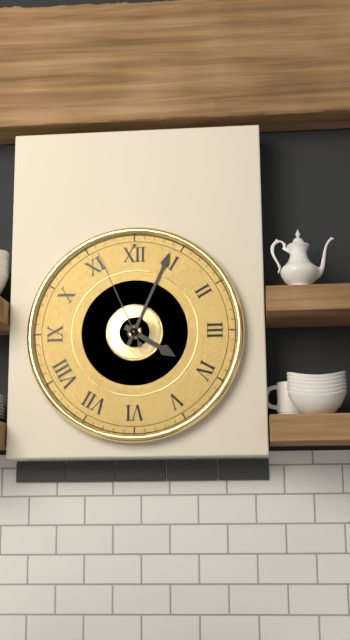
4:04:56
